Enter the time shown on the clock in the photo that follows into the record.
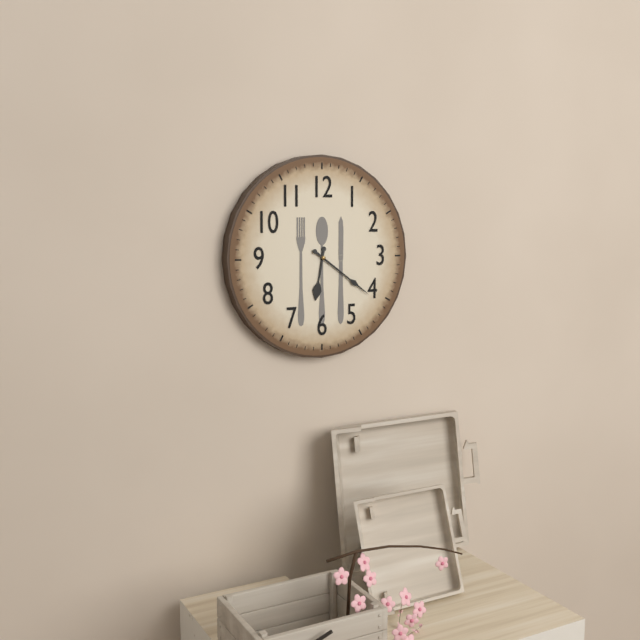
6:21
